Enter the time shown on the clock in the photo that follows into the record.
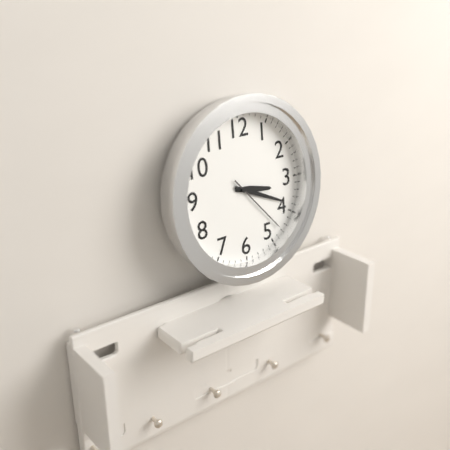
3:19:23
